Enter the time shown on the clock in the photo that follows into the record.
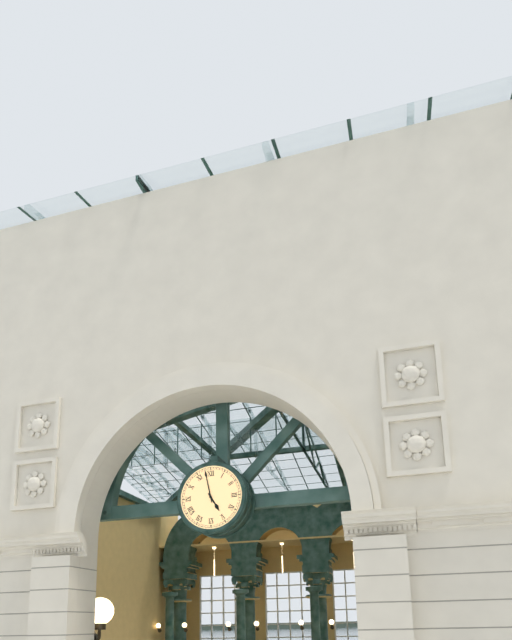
4:58
